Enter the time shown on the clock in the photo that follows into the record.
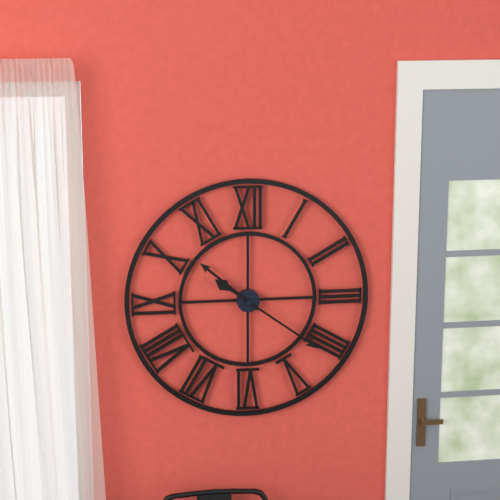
10:21
